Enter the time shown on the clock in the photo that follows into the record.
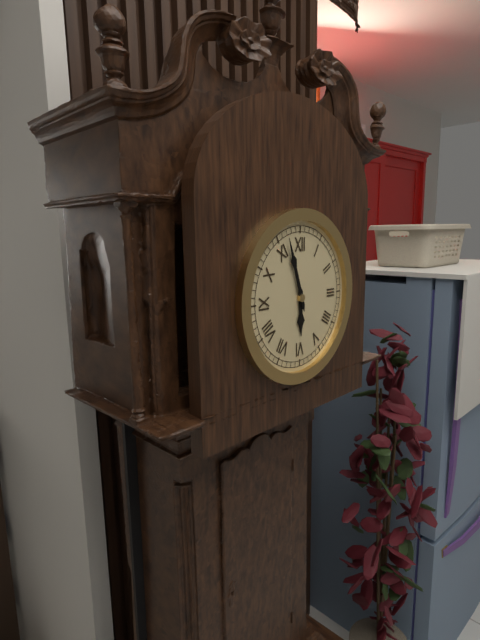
5:57
